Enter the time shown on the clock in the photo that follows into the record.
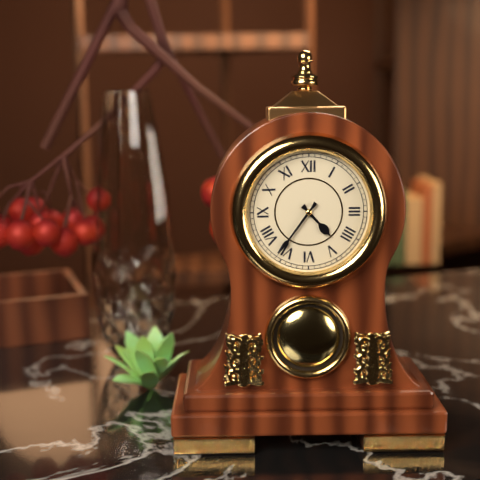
4:36
